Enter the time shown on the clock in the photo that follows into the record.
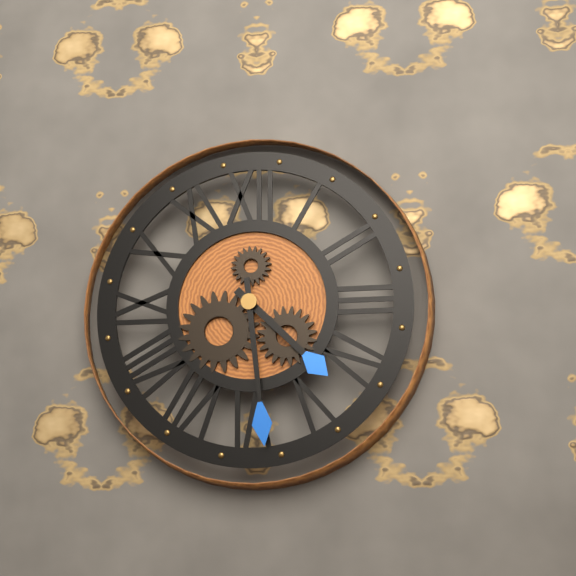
4:29
